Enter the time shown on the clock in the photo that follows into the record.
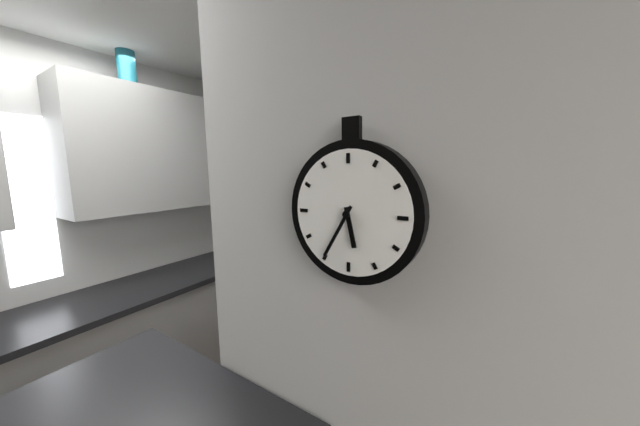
5:35
